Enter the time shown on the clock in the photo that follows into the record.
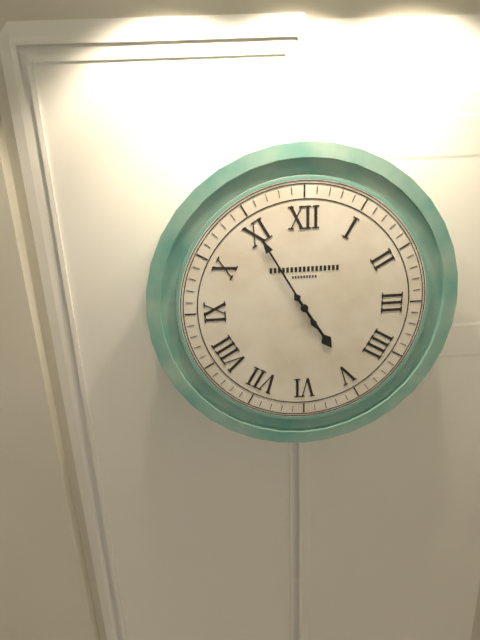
4:55
